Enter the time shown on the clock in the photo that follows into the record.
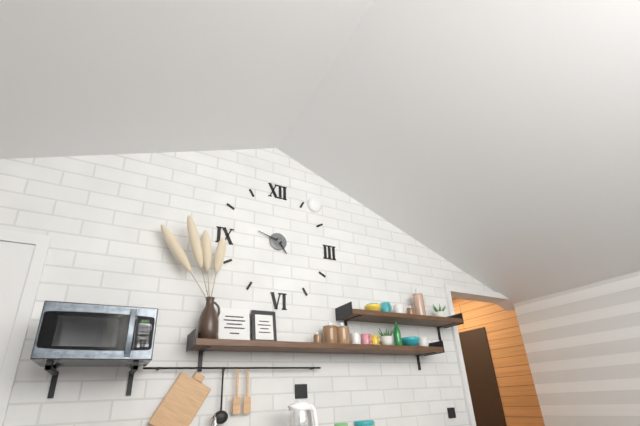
4:48
